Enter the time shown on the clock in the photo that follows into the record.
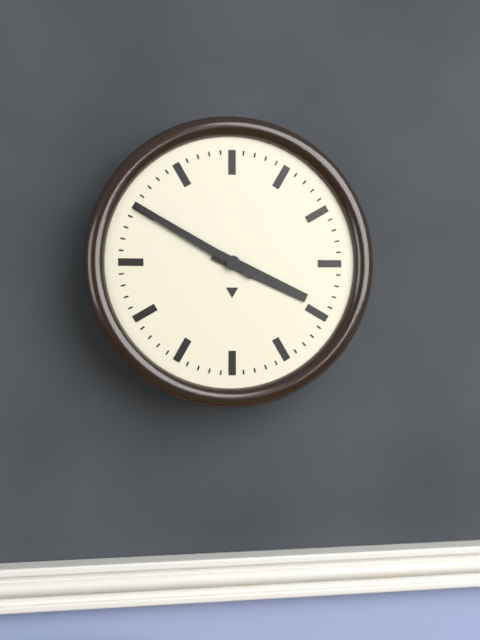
3:50
